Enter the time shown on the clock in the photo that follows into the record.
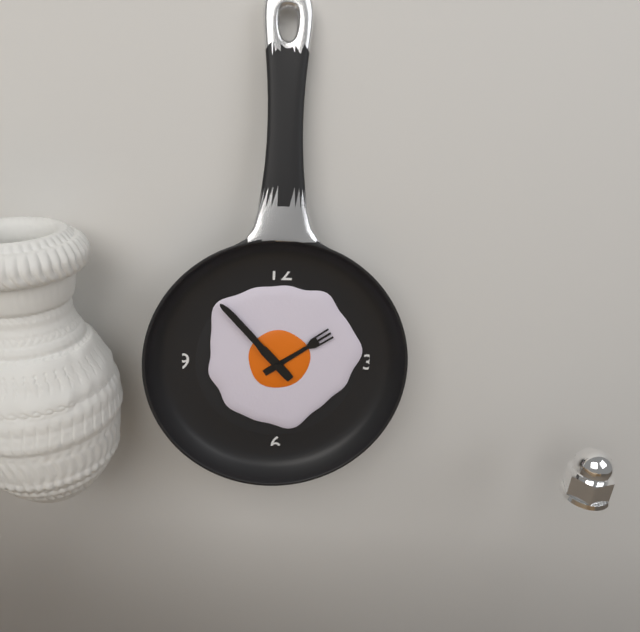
1:53
